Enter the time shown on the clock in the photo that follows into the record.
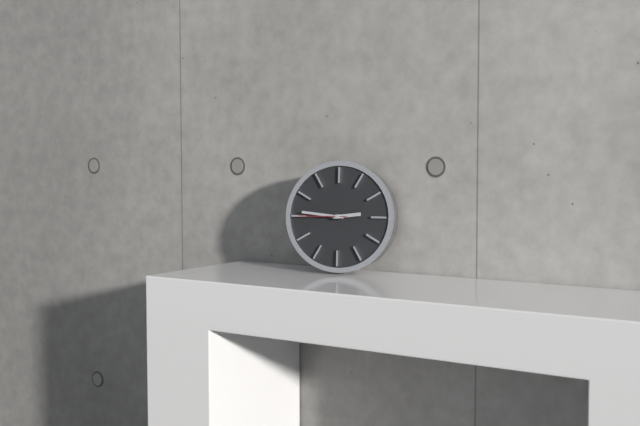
2:46:45
